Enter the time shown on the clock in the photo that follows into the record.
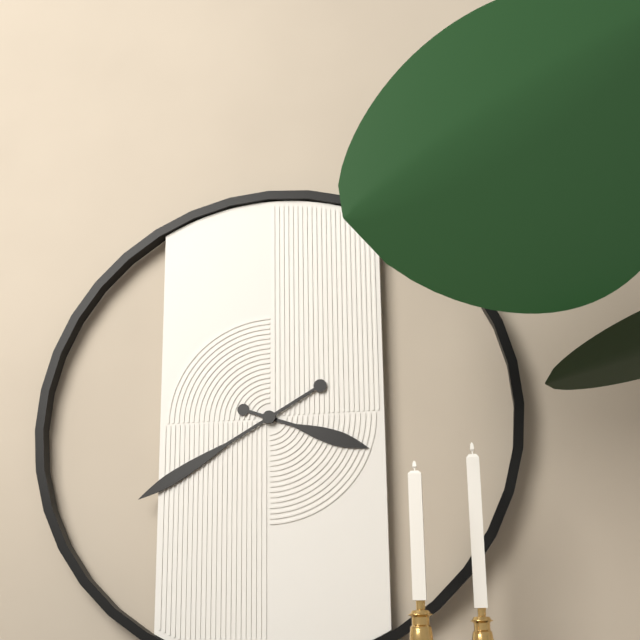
3:40
